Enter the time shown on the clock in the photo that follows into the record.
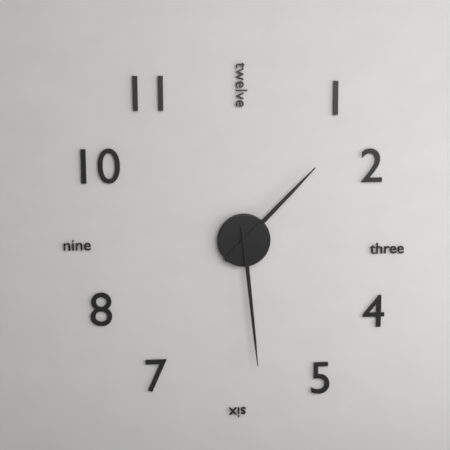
1:29
